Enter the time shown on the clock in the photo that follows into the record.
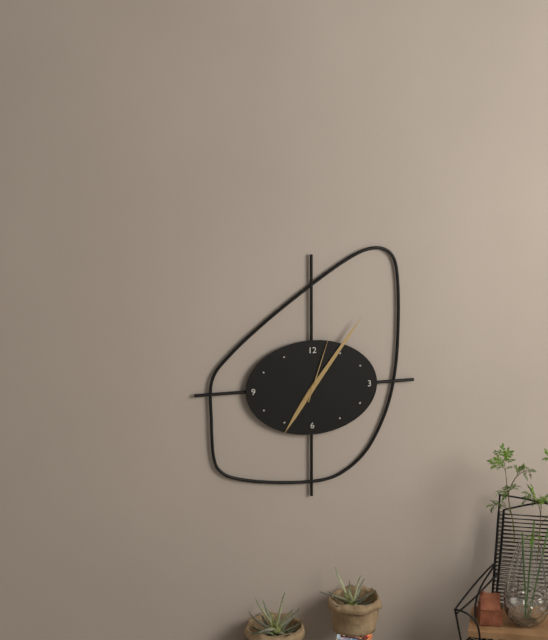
7:06:03
